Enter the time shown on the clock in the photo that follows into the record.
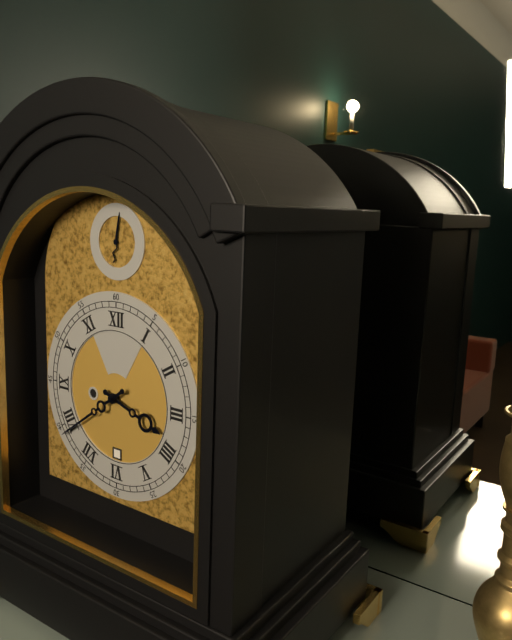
3:39
